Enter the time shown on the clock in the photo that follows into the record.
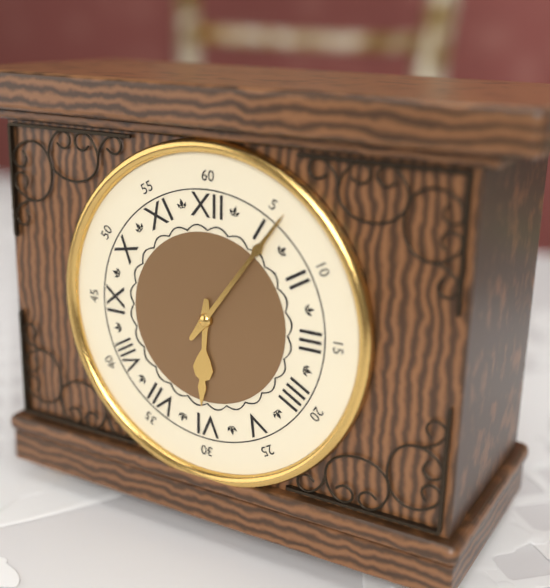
6:06
